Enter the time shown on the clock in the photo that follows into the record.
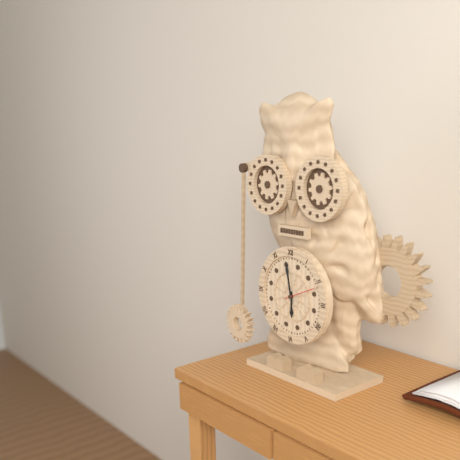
5:58
